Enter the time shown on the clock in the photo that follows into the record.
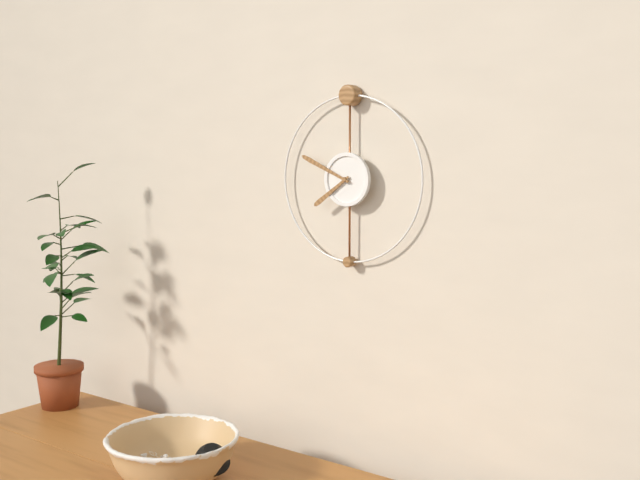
7:49
